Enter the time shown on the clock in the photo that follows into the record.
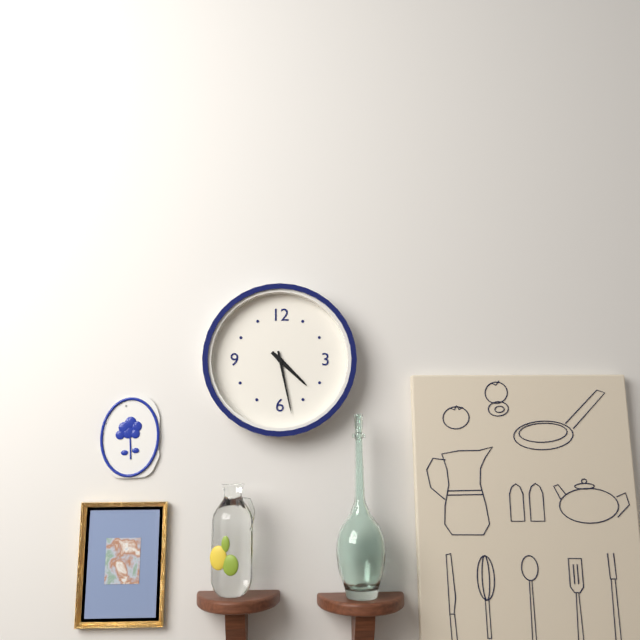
4:28
